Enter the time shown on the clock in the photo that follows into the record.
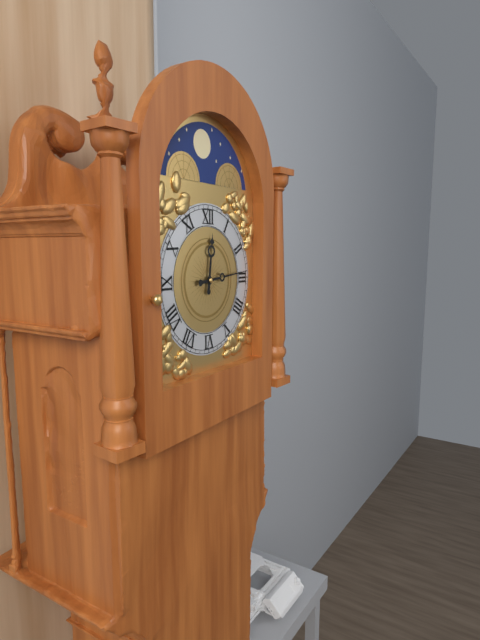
12:14
